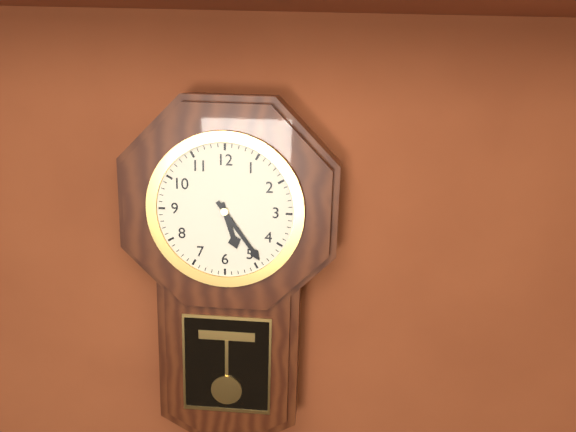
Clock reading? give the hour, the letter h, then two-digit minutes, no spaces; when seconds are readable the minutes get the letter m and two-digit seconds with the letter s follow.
5h24
